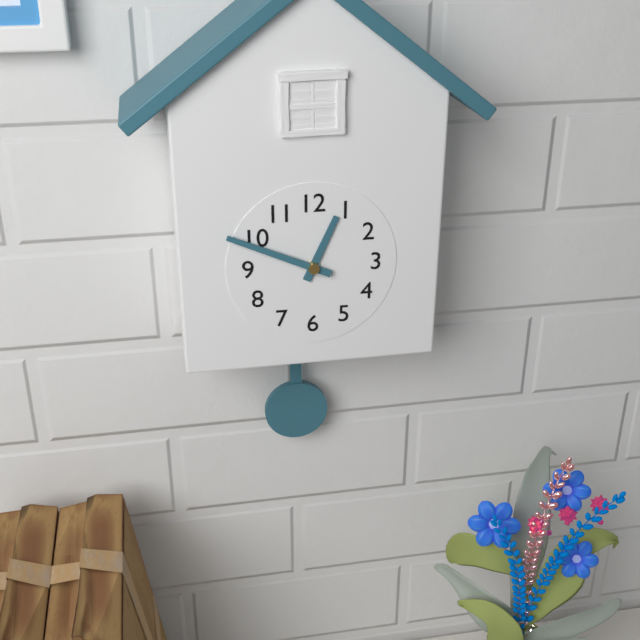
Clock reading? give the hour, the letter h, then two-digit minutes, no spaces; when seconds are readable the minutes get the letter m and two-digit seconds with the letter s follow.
12h49
